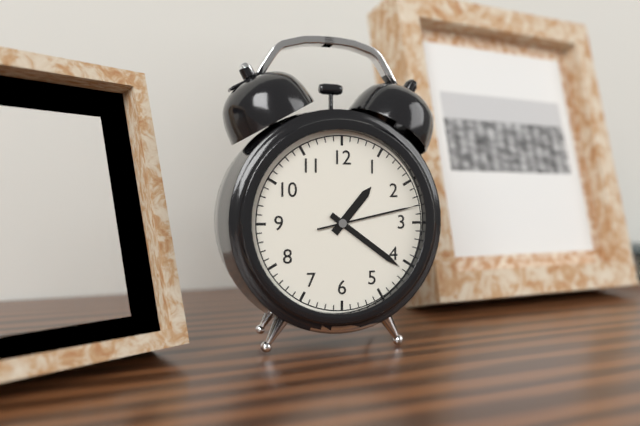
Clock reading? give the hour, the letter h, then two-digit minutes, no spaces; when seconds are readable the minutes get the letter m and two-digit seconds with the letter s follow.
1h21m13s
